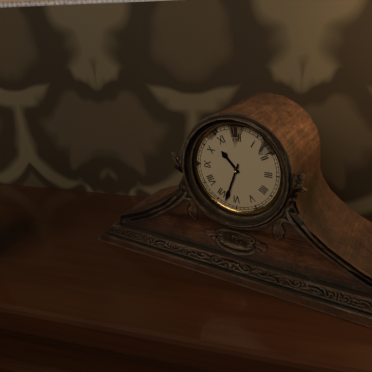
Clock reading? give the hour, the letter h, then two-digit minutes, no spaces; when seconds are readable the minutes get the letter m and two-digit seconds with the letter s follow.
10h33
